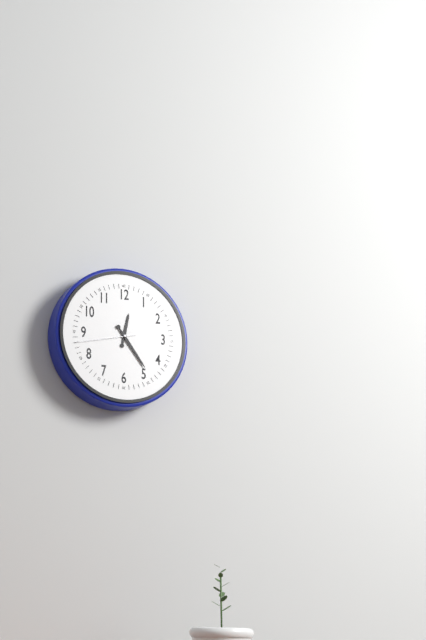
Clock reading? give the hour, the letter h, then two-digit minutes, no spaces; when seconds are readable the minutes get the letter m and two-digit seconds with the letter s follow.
12h24m43s
